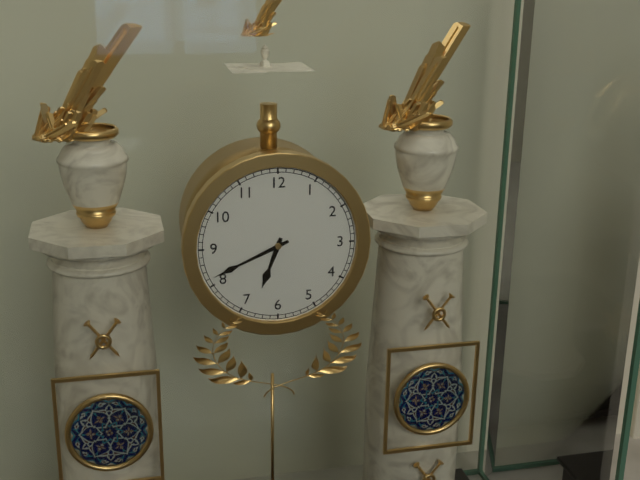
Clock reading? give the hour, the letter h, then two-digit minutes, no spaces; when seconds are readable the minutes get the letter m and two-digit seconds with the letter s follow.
6h41
